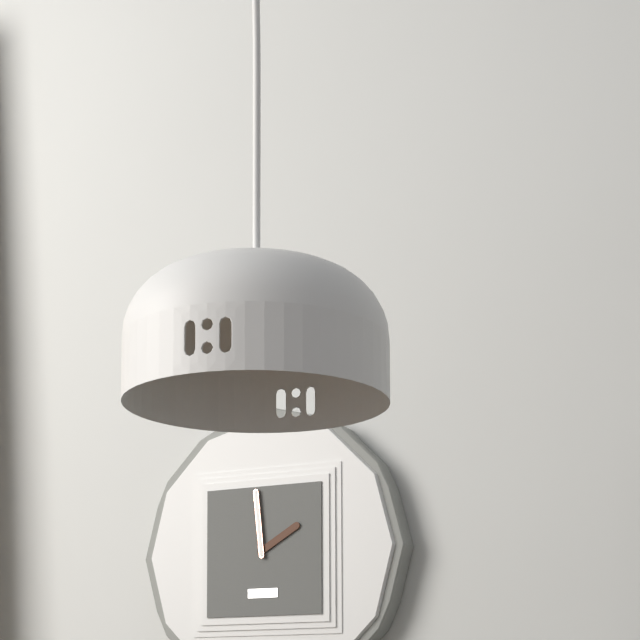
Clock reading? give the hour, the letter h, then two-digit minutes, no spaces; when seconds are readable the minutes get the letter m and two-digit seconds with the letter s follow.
1h59
